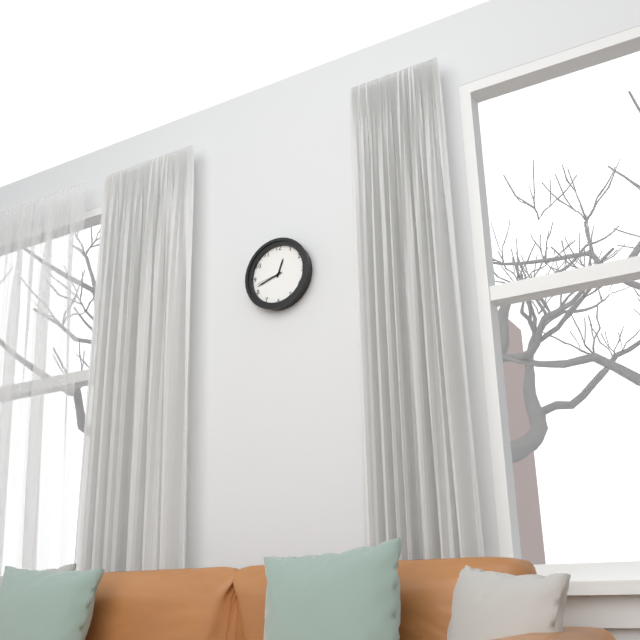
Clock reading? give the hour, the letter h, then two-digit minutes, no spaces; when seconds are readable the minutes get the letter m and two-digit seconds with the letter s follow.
12h42
